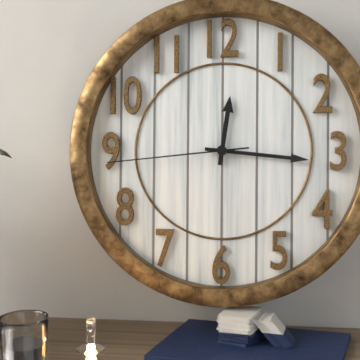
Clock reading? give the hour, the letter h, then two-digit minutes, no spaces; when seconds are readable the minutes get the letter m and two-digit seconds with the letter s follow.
12h16m44s
